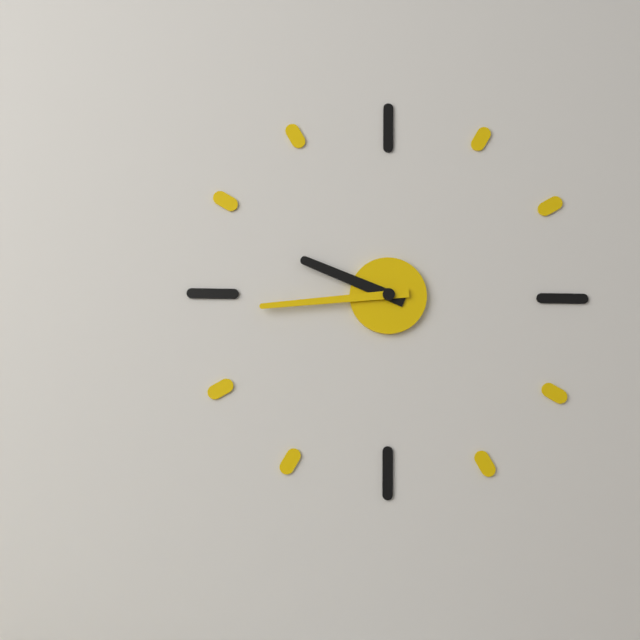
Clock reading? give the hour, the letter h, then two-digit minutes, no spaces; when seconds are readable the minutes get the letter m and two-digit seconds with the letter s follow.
9h44
